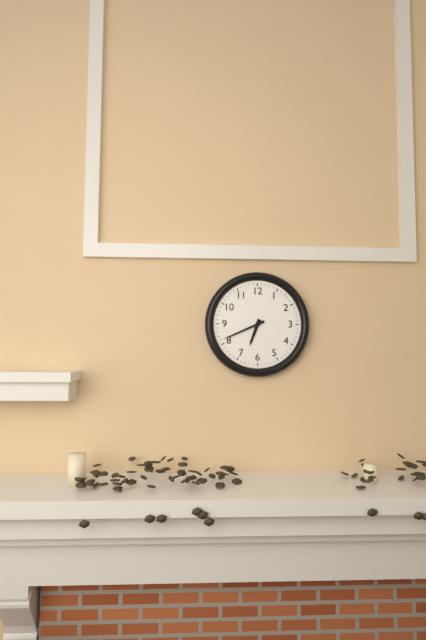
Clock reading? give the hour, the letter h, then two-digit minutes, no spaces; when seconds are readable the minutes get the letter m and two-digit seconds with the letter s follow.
6h41
